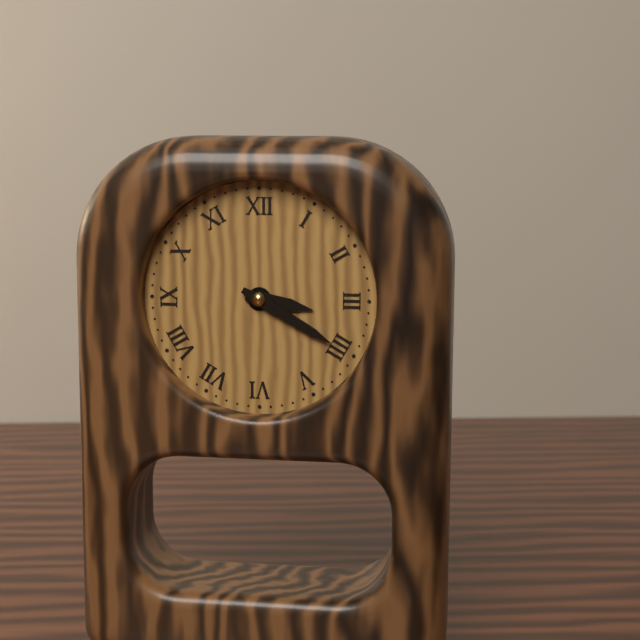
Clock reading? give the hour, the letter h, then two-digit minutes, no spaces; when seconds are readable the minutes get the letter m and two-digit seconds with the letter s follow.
3h20
